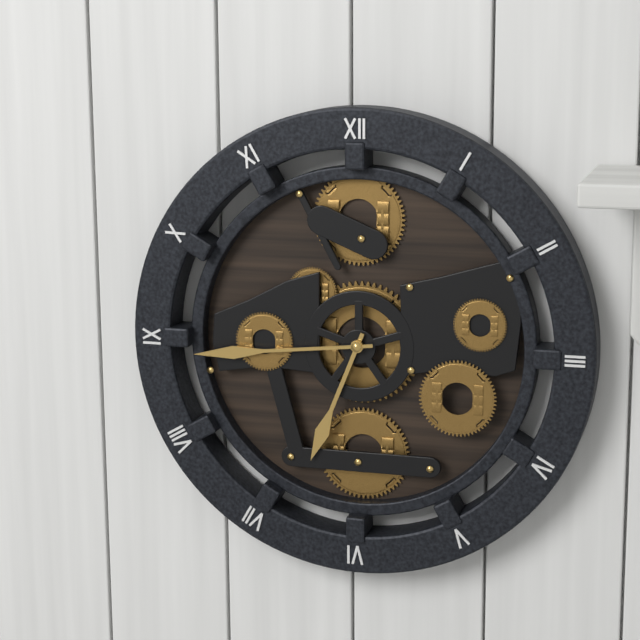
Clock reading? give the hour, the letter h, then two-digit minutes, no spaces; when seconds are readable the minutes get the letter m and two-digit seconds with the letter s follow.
6h44
